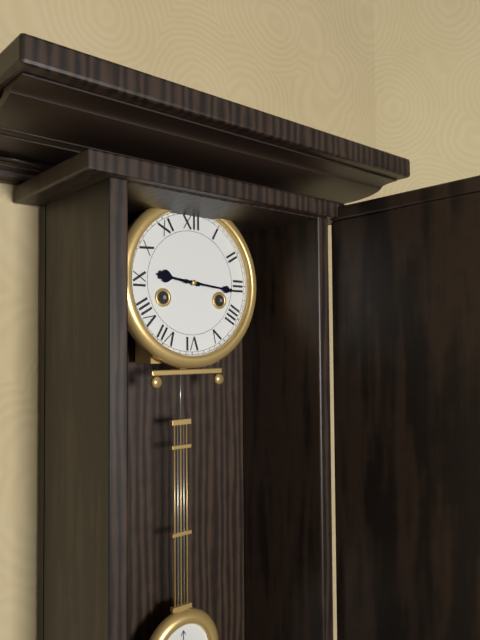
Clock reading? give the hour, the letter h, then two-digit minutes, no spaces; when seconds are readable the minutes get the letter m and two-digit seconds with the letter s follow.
9h16
